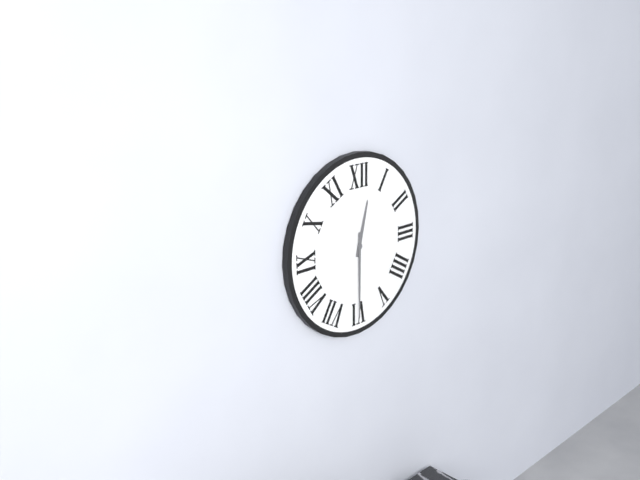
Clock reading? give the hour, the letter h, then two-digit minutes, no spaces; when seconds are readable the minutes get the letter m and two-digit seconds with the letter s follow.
12h30
